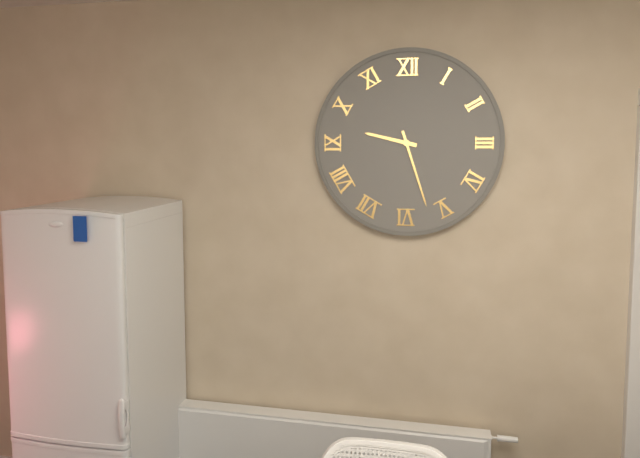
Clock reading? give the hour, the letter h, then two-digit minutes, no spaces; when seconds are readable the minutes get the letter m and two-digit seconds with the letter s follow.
9h27
